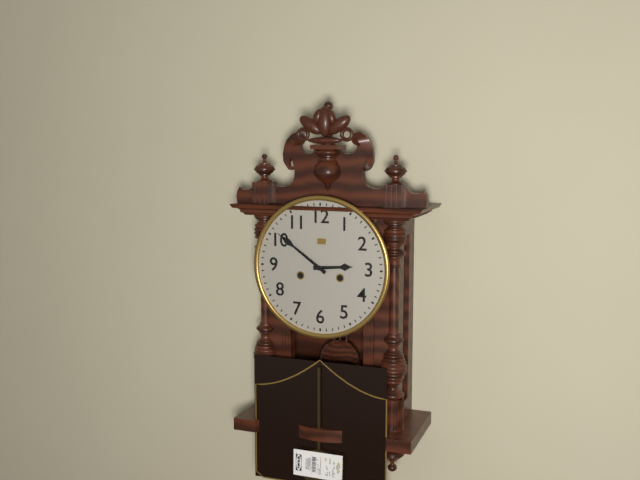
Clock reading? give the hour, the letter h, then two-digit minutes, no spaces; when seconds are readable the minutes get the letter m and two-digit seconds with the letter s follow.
2h51
